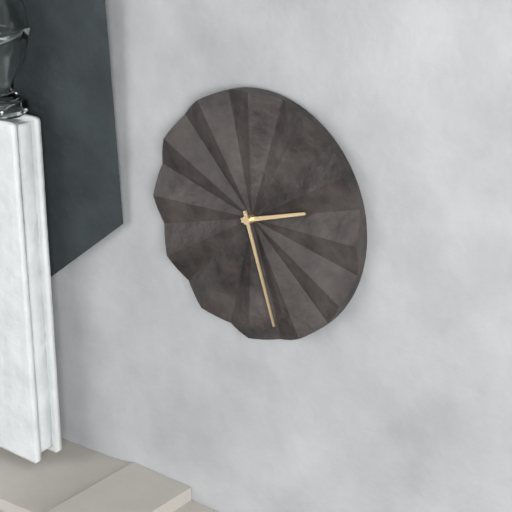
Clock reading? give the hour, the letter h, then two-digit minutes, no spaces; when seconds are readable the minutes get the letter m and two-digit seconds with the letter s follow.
2h27
